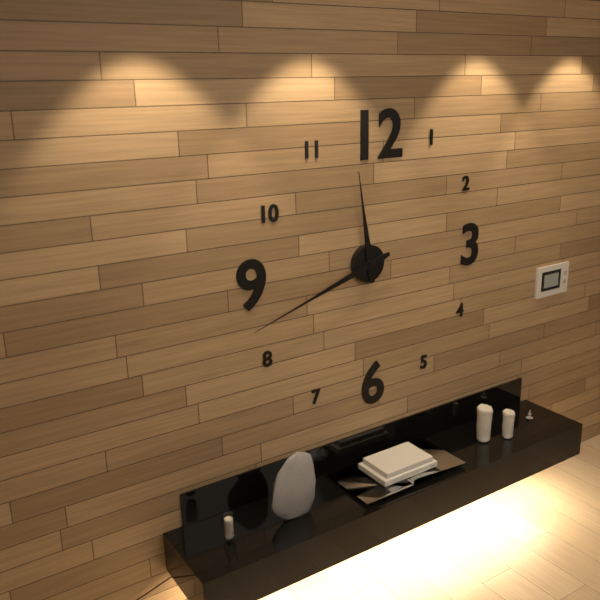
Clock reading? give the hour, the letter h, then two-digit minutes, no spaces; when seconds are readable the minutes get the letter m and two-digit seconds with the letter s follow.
11h42
